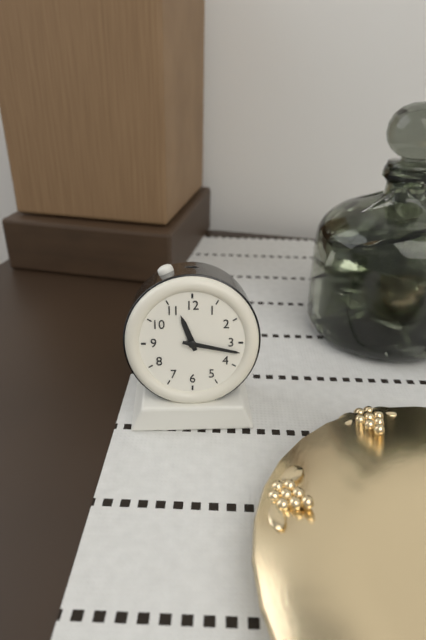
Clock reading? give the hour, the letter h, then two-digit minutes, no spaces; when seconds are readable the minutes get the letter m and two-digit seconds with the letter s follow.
11h17
